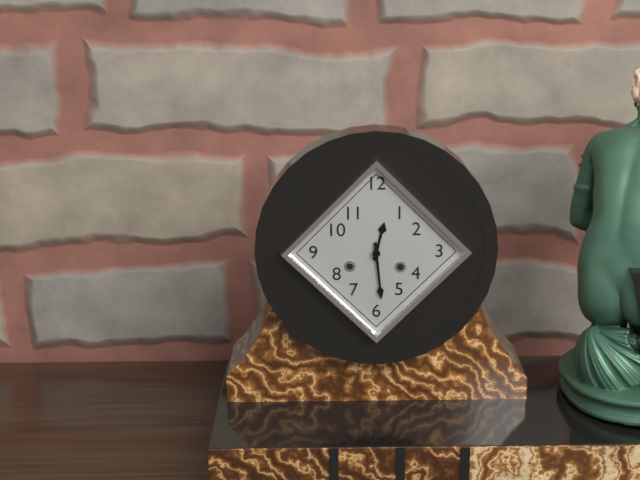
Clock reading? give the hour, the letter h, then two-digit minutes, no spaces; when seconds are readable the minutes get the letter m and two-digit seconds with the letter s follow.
12h29
